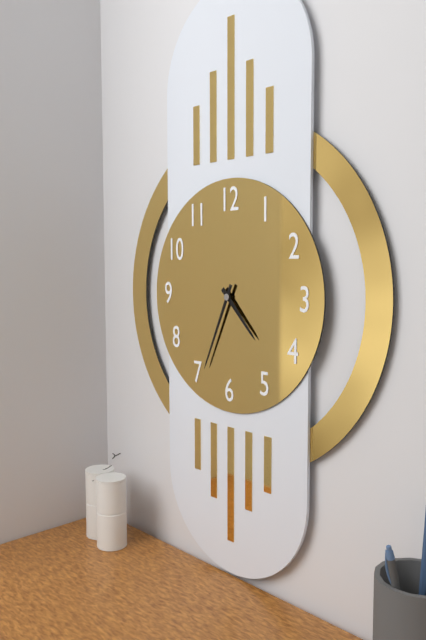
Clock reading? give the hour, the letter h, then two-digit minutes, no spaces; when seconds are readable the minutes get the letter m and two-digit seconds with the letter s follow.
4h34
